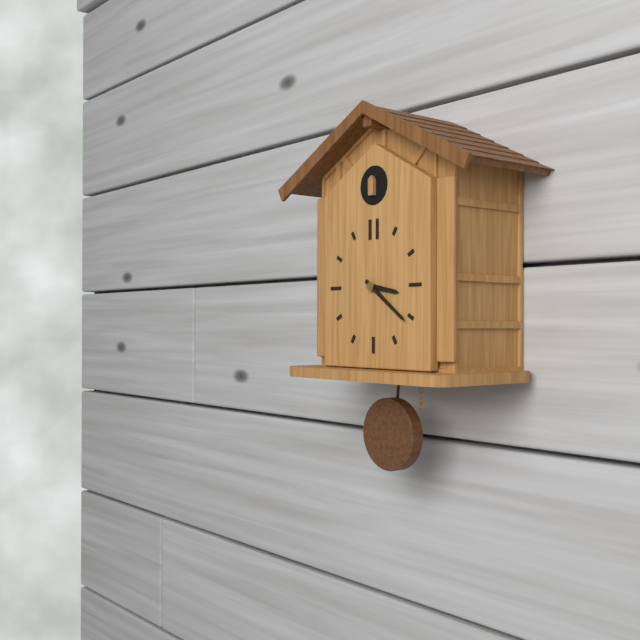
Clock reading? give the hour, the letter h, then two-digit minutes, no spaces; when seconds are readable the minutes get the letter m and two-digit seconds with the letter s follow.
3h21
